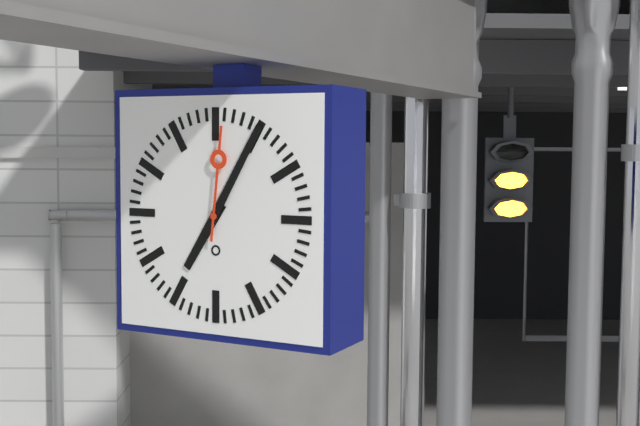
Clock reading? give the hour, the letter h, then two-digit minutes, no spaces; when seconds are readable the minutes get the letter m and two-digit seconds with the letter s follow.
7h05m01s
